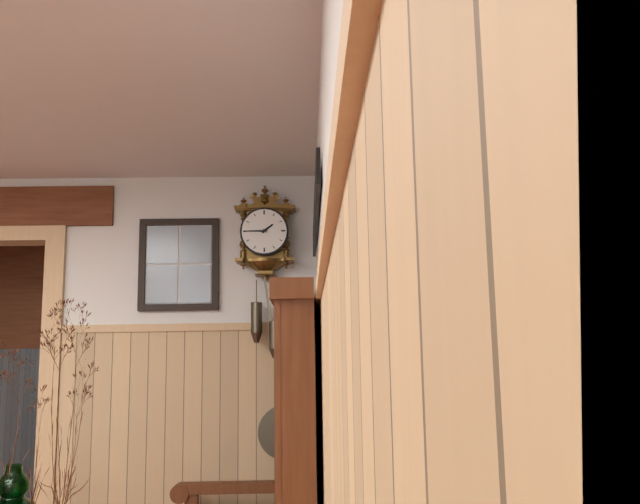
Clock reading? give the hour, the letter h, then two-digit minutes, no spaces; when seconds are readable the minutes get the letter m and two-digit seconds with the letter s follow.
1h45
